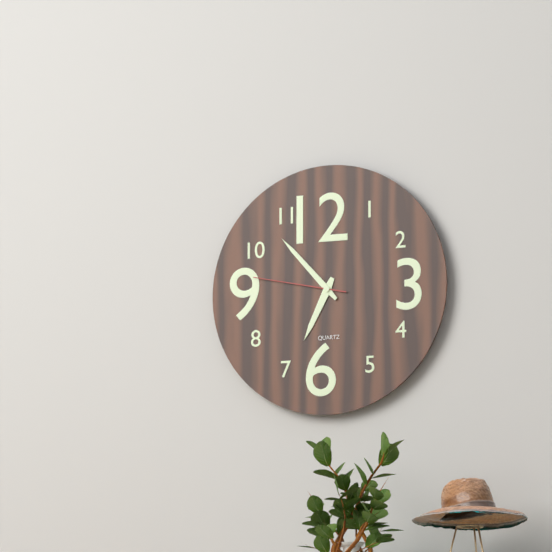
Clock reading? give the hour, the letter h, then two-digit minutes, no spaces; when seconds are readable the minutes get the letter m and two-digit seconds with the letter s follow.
6h53m47s
